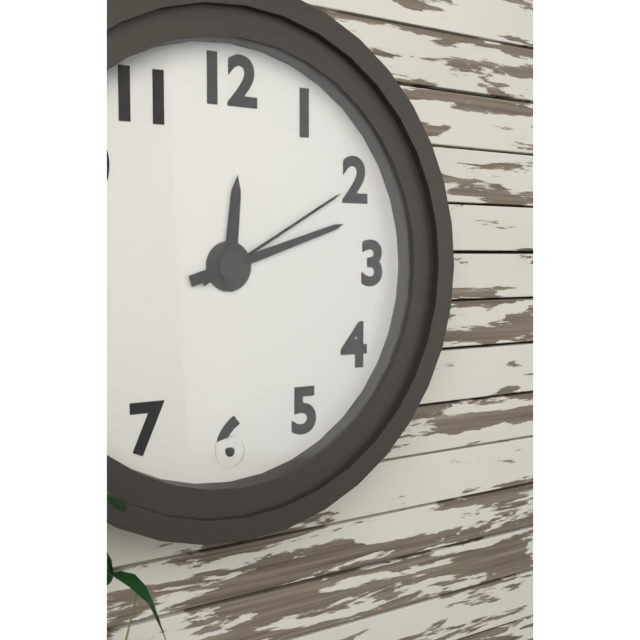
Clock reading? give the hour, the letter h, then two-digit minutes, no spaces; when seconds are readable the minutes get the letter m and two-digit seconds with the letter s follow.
12h12m10s
